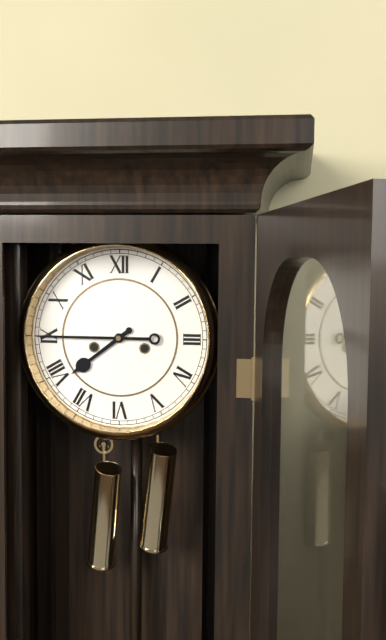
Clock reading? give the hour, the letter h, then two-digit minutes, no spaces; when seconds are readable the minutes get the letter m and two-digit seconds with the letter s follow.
7h45
